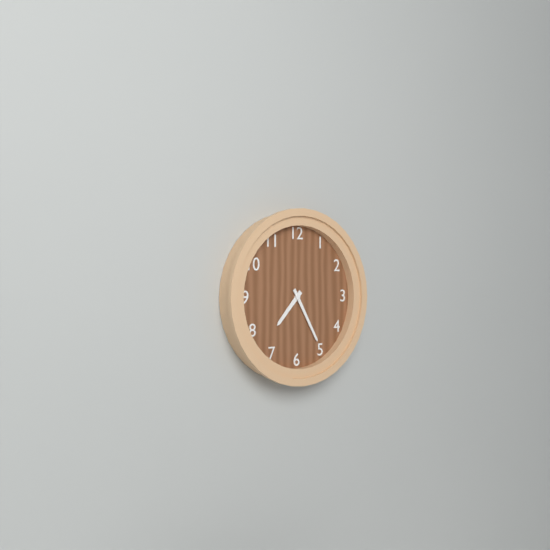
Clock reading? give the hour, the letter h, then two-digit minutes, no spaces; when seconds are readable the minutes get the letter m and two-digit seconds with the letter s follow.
7h25
